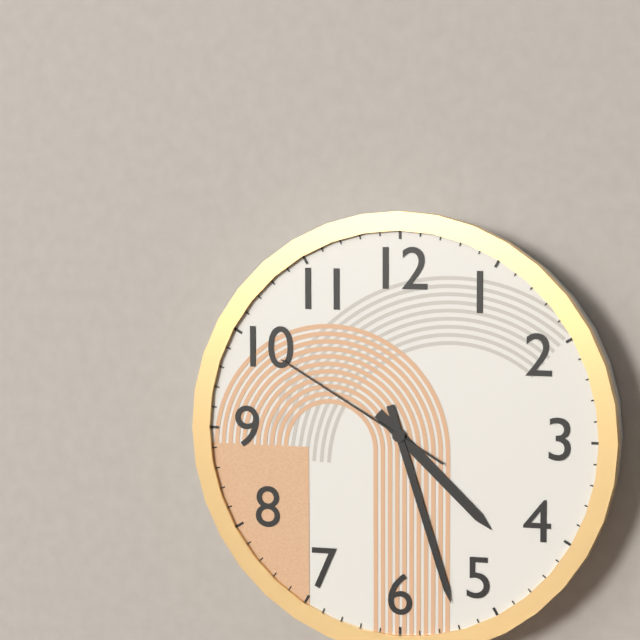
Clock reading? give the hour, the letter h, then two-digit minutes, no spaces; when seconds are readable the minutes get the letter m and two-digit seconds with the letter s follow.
4h27m50s
